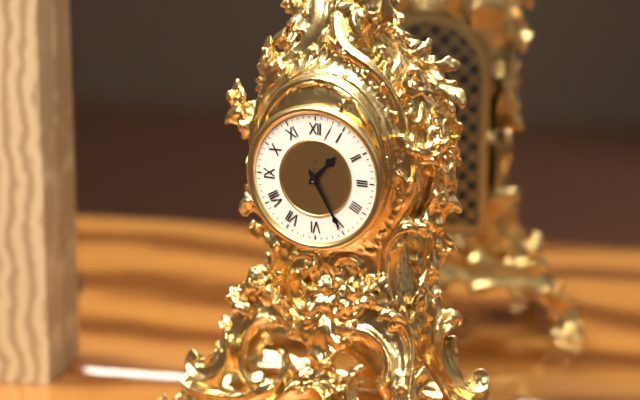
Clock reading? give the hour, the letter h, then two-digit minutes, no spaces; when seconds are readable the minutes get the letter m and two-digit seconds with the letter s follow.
1h25
